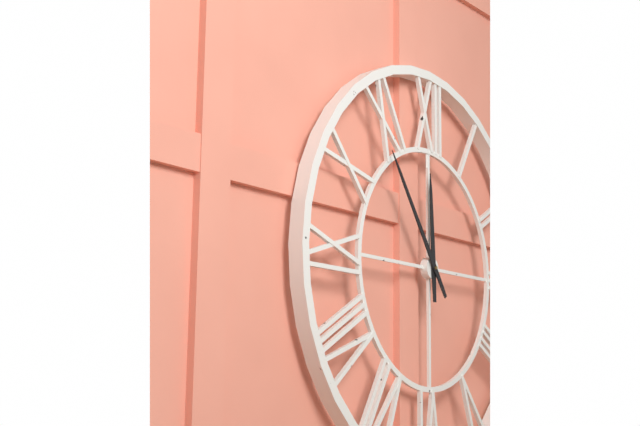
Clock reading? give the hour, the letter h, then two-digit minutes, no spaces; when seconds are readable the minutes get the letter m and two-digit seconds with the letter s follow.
11h54
